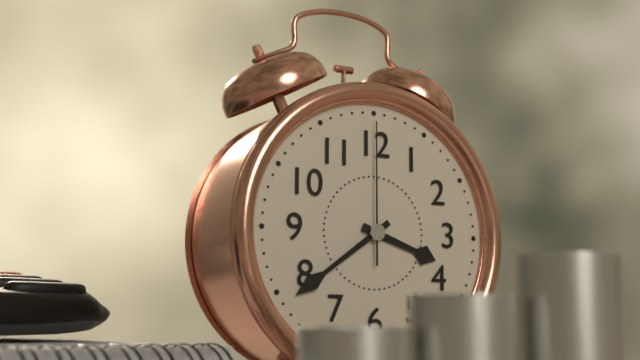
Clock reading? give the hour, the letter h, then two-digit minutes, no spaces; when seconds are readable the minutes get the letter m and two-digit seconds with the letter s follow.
3h39m00s
